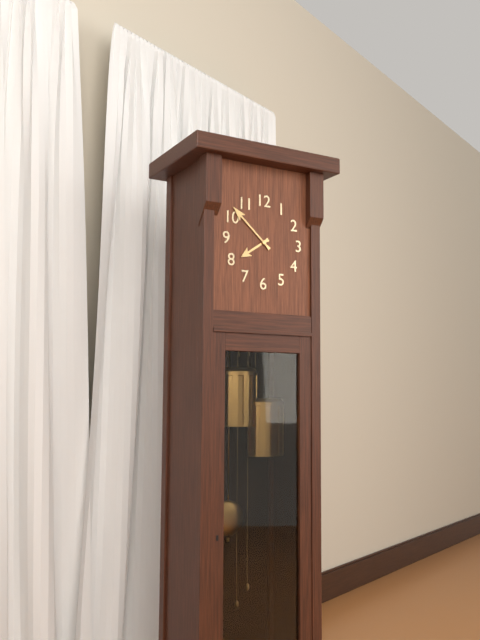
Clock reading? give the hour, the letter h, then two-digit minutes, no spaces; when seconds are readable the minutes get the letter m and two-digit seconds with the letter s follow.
7h52
